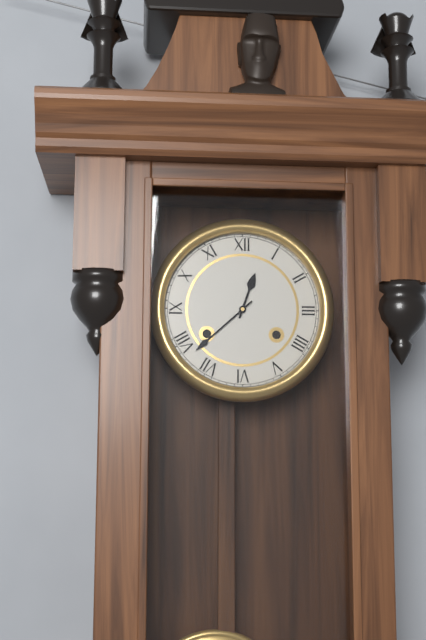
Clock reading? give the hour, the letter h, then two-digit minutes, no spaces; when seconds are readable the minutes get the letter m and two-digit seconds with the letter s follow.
12h38
